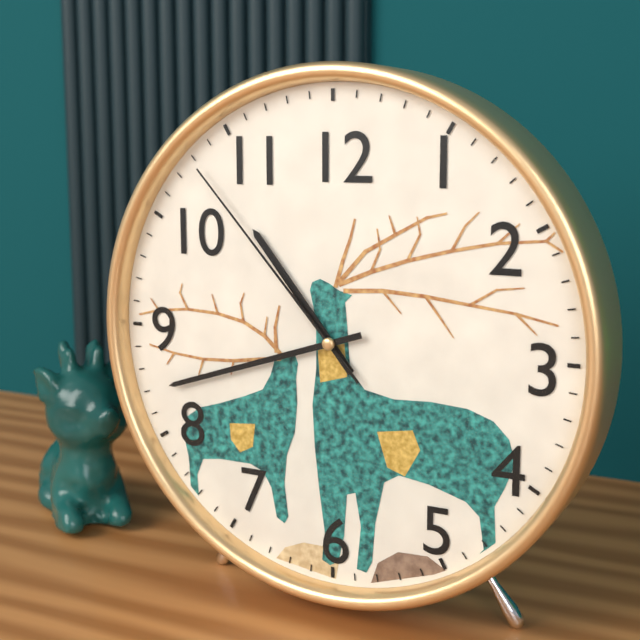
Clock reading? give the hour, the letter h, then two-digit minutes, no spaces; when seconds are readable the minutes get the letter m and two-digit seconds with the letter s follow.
10h42m53s
